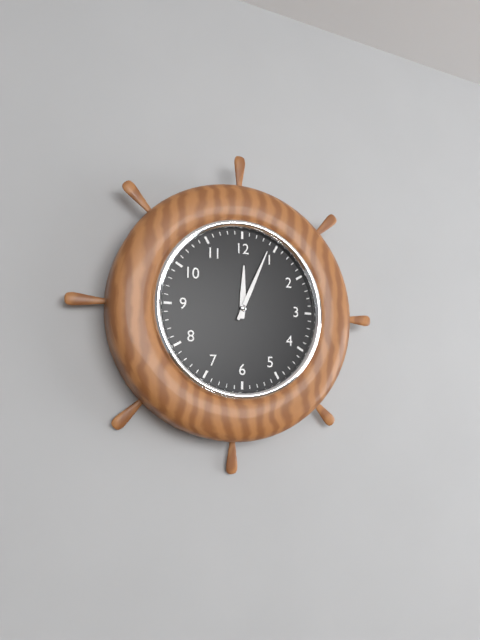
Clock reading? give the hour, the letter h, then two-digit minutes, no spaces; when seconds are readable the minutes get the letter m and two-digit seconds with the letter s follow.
12h04
